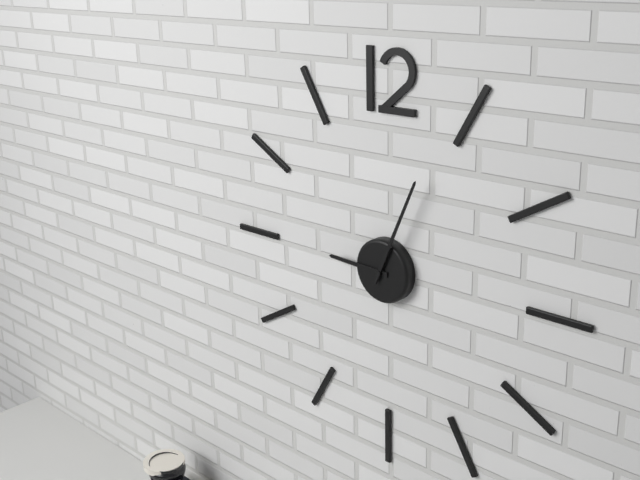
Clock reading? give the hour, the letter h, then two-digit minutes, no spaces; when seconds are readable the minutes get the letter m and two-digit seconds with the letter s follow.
9h04
